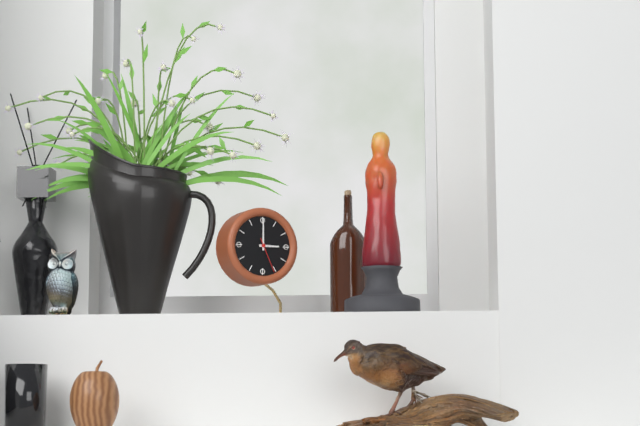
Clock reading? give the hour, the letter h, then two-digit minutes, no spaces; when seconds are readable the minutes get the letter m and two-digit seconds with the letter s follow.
3h00
